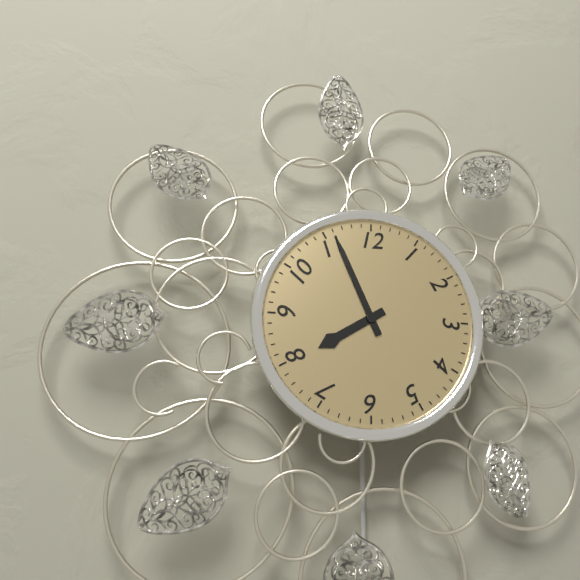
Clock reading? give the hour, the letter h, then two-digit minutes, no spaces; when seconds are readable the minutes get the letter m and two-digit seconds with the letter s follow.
7h56
